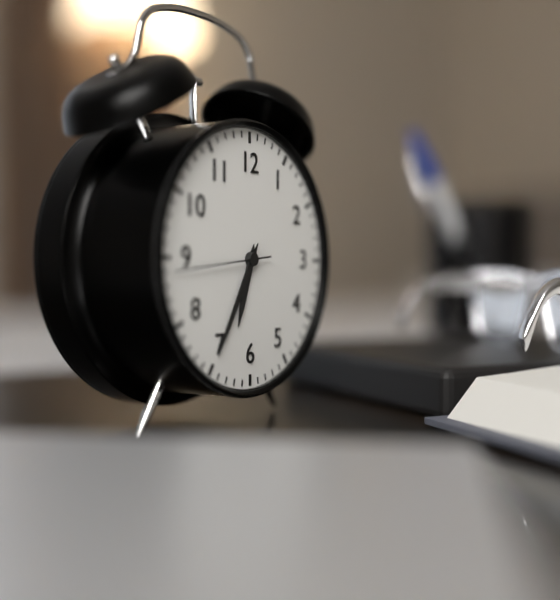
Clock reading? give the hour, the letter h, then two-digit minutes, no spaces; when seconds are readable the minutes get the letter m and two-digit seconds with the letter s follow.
6h35m44s
